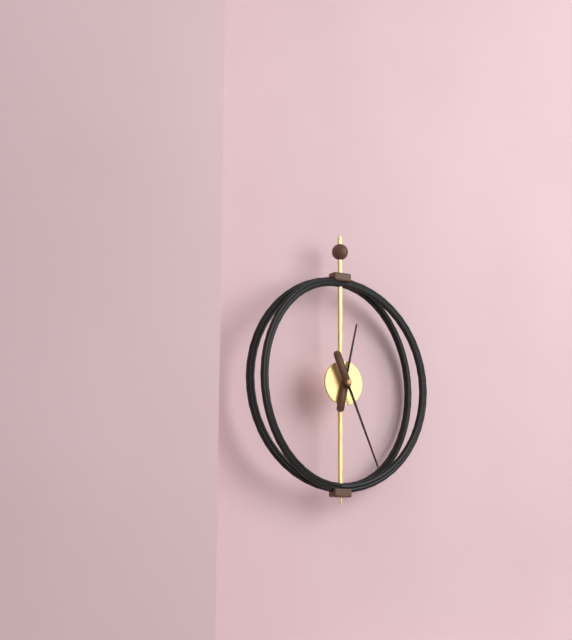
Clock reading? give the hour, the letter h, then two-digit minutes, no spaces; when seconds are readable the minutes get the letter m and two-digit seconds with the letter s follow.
12h26
